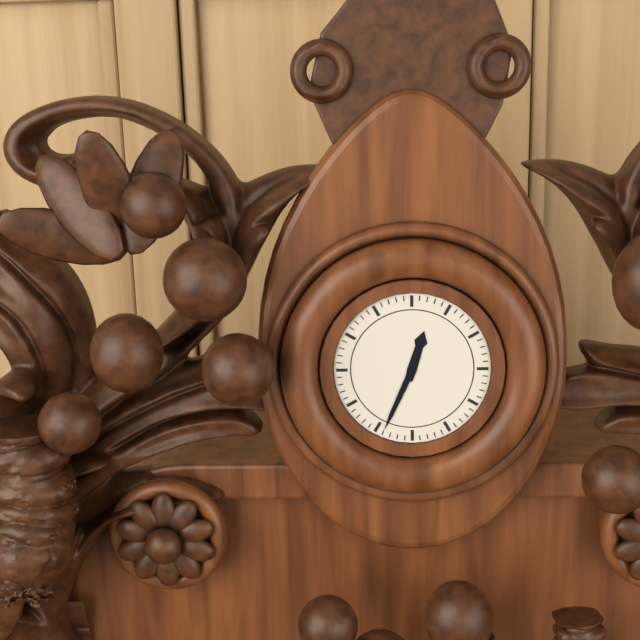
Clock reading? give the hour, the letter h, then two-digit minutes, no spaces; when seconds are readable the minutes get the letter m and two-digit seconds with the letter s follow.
12h34
